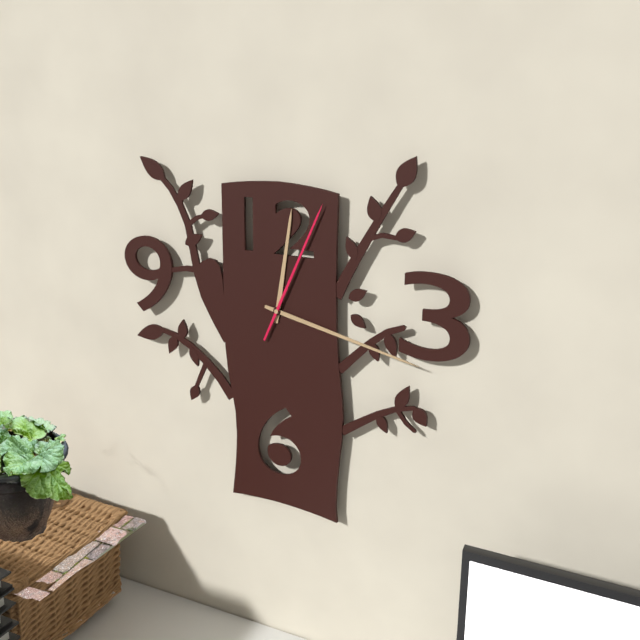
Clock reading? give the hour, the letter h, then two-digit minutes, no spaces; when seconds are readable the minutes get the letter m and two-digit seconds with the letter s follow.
12h17m04s
